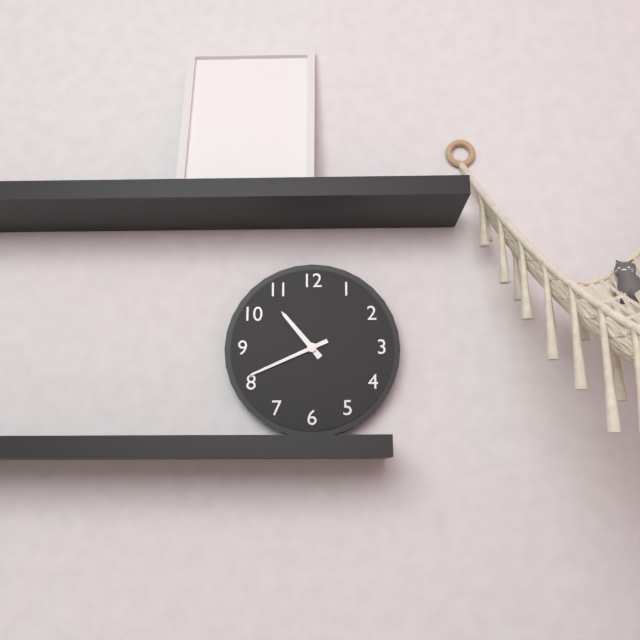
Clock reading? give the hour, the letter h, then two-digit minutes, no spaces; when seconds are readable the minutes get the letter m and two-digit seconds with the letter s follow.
10h41
